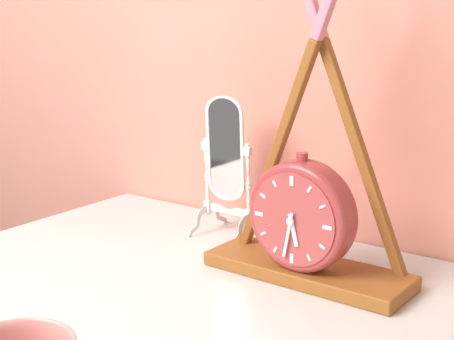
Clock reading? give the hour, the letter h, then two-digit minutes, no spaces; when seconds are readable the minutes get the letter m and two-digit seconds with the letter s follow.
5h32
